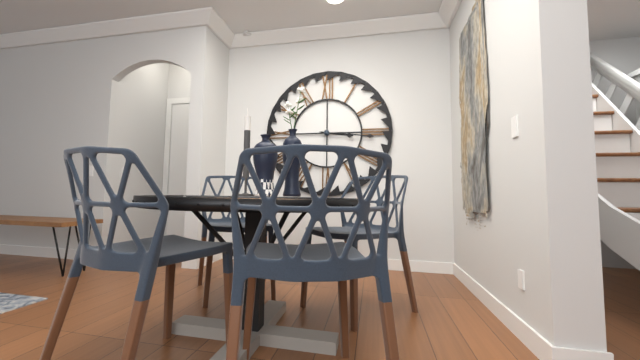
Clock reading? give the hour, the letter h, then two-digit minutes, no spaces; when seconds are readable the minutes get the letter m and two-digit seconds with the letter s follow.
3h16
